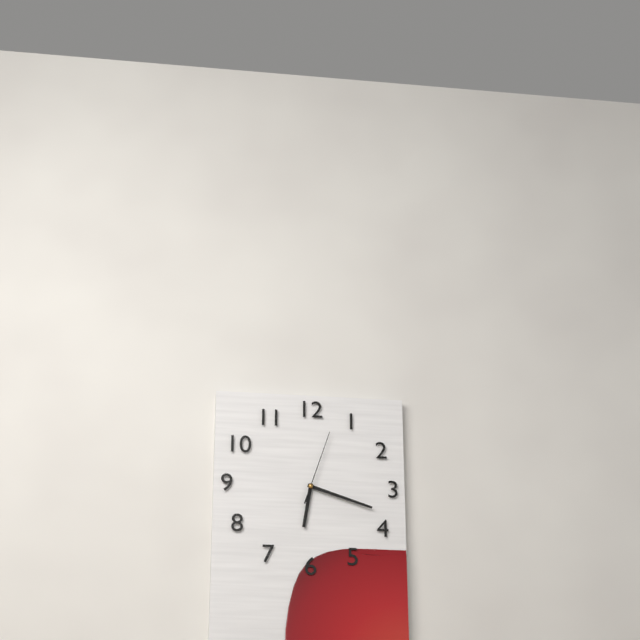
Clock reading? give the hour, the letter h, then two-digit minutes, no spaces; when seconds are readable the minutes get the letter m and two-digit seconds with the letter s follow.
6h18m03s
